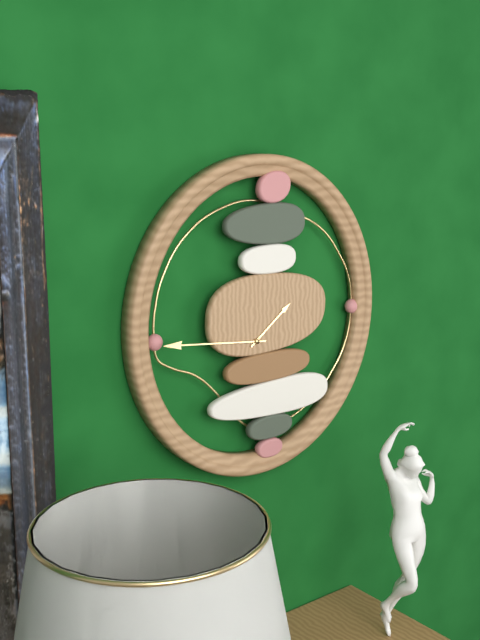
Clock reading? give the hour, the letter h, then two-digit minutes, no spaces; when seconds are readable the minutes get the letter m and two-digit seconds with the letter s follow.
1h46
